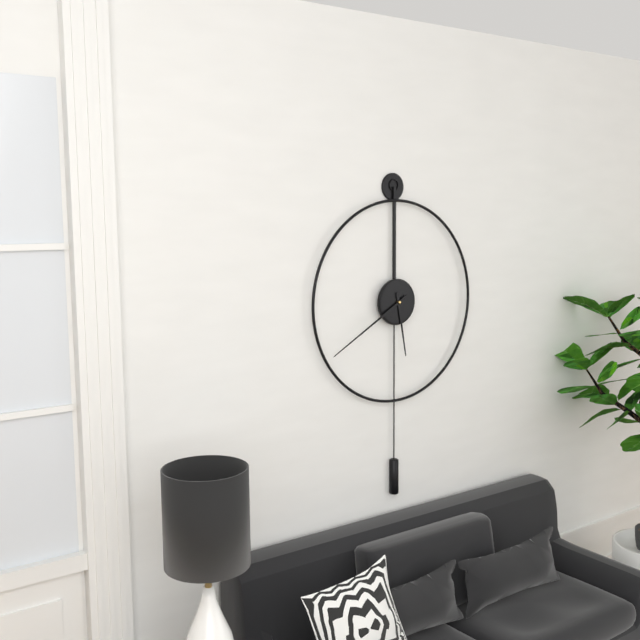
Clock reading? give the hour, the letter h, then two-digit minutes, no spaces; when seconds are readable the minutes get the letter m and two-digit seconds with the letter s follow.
5h40
